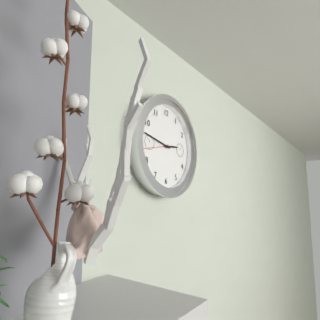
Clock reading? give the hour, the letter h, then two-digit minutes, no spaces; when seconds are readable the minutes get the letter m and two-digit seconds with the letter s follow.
2h47
